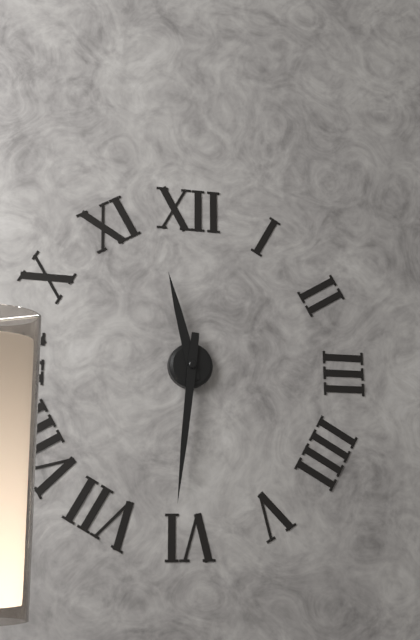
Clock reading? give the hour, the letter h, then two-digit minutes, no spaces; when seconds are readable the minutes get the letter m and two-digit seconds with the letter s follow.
11h31
